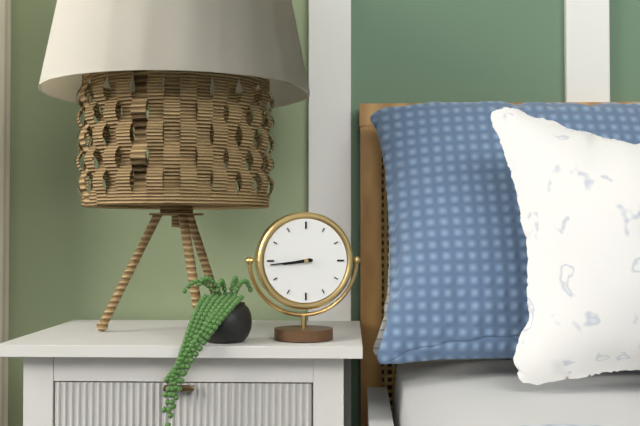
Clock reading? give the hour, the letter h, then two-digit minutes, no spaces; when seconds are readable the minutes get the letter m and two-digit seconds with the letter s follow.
8h44
